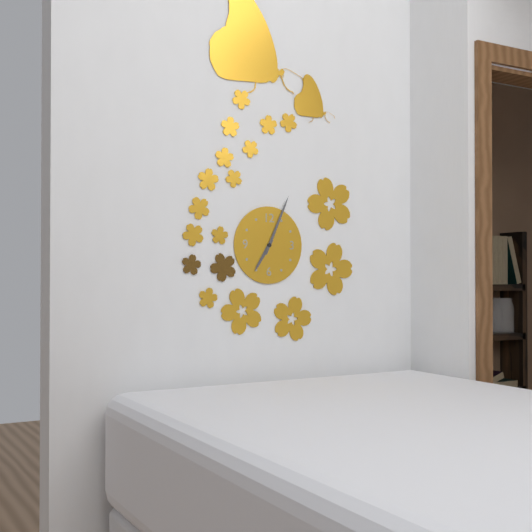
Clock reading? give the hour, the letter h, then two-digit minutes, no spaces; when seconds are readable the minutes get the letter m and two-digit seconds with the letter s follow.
7h04
